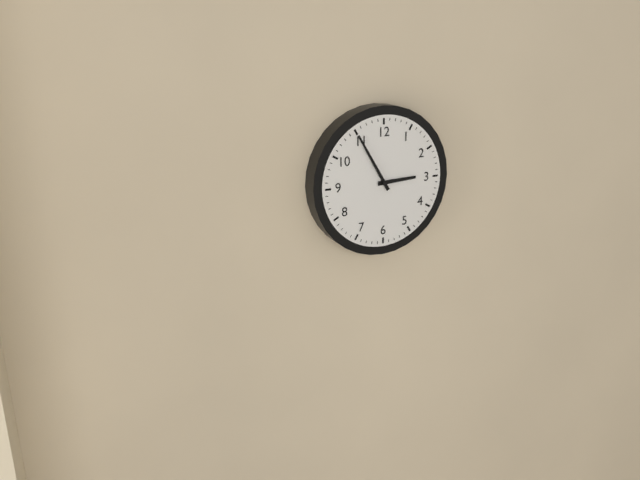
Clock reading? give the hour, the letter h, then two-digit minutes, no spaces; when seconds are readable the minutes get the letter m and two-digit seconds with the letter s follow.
2h55
